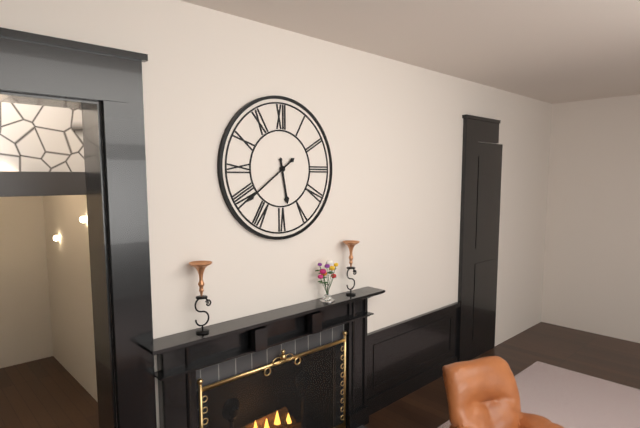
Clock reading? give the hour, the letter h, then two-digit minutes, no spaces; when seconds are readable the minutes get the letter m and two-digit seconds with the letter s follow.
5h39
